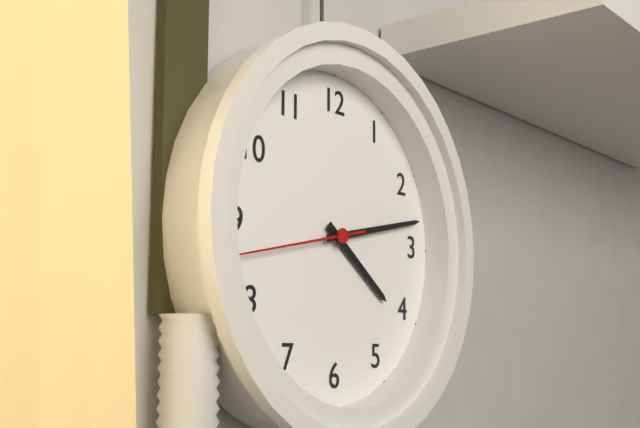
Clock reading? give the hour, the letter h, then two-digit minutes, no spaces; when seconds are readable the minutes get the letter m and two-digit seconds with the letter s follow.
4h13m43s
